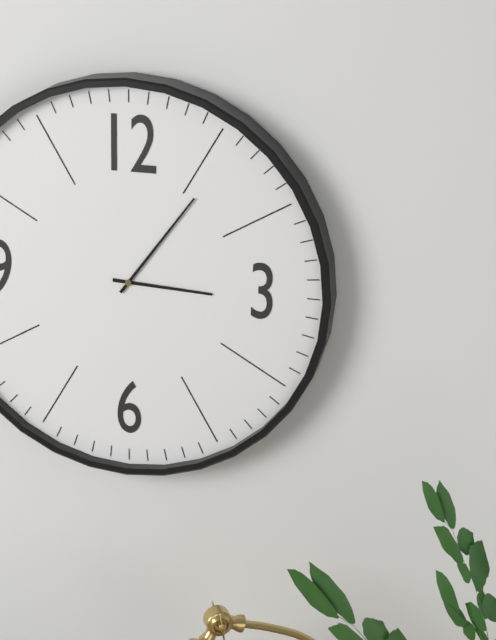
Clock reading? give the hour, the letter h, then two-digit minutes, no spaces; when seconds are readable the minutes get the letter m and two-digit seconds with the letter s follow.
3h06
